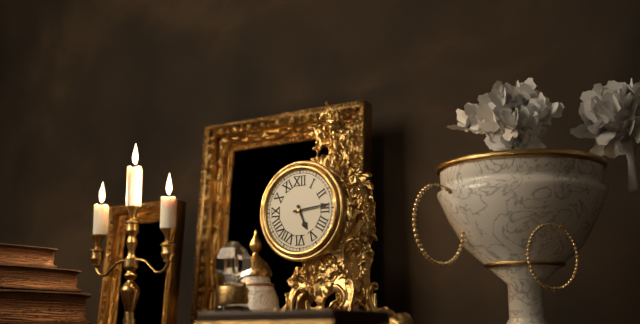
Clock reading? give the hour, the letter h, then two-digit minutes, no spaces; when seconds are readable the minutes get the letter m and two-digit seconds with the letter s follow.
5h14
